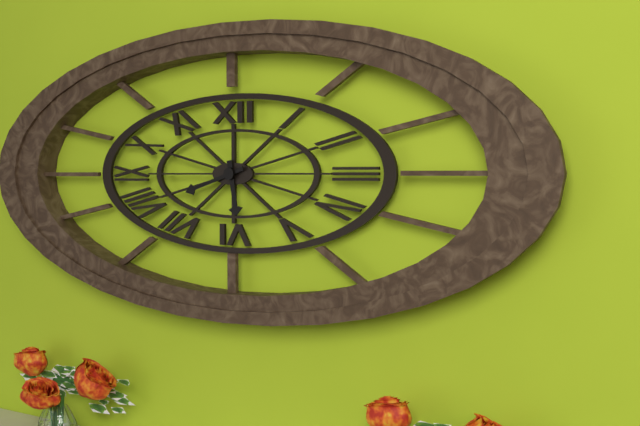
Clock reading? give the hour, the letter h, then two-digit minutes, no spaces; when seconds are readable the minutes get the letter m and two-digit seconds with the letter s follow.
5h42
